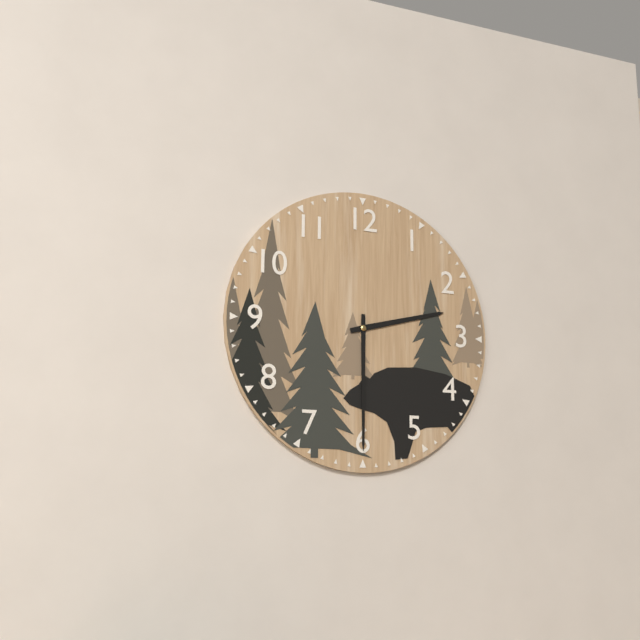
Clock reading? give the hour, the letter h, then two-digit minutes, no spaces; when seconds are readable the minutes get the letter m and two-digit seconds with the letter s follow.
2h30
